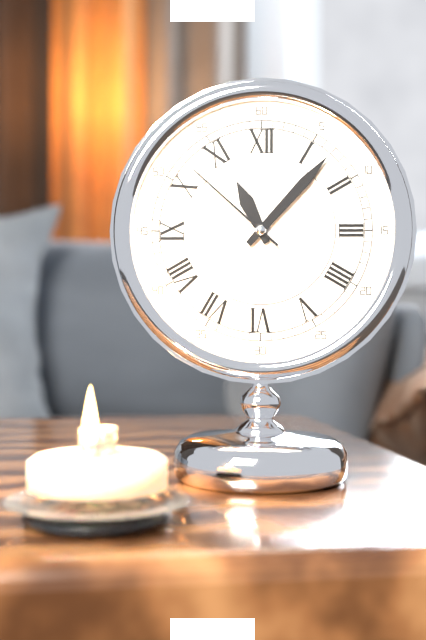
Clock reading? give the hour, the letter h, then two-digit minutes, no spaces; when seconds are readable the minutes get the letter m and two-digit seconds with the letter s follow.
11h07m52s
